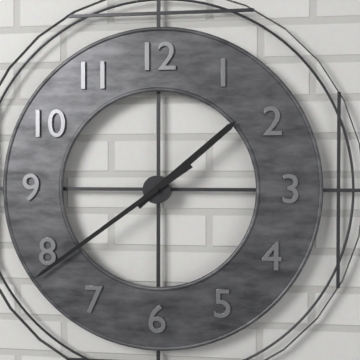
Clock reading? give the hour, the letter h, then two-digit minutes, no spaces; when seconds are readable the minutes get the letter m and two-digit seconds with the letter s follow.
1h39
